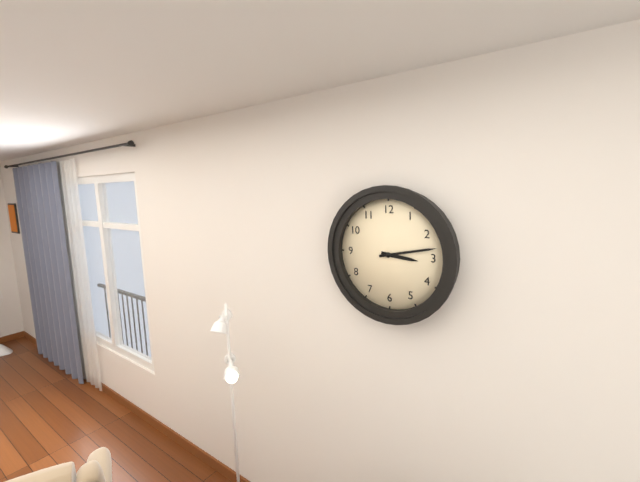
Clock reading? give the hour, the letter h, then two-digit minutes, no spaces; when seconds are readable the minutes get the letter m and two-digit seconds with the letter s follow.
3h13
